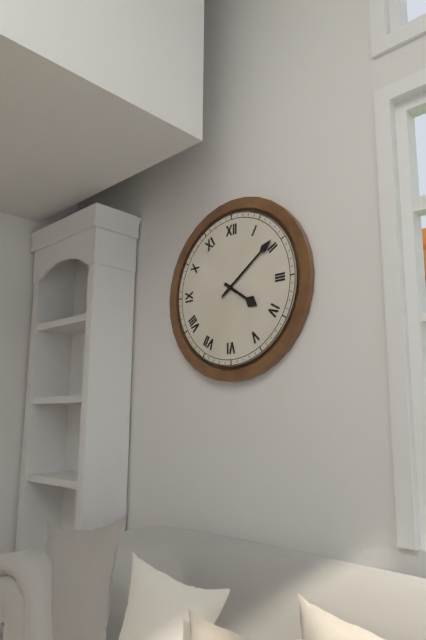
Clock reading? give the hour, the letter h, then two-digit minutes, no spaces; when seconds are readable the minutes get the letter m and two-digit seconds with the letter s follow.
4h09
